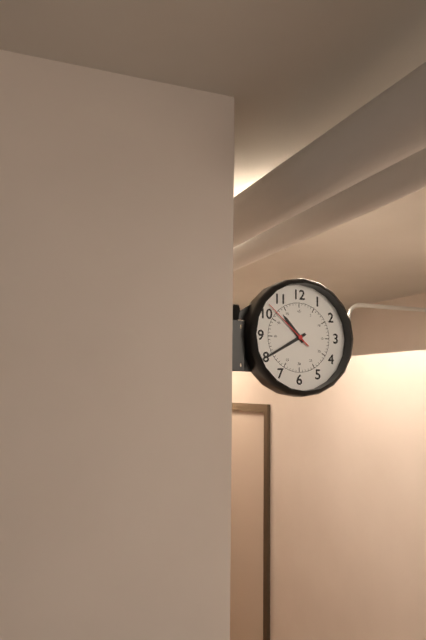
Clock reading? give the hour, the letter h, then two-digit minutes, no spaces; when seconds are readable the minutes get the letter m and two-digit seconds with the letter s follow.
10h40m52s
